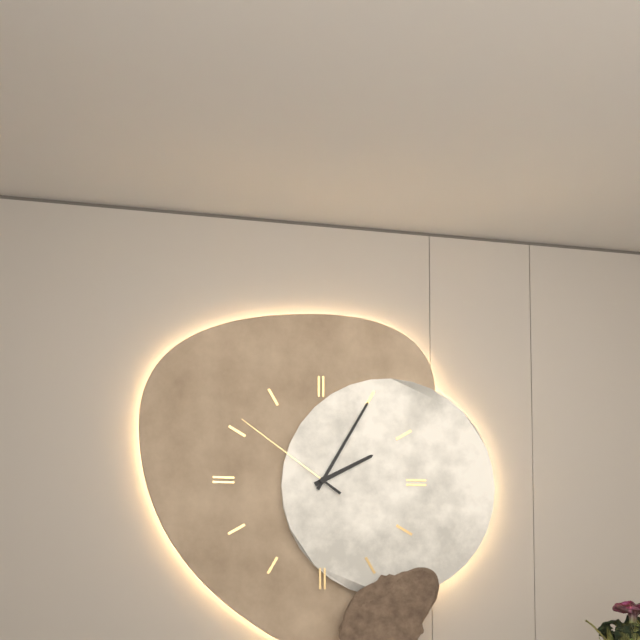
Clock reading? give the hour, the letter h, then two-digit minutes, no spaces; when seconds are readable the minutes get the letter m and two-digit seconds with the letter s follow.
2h05m51s
